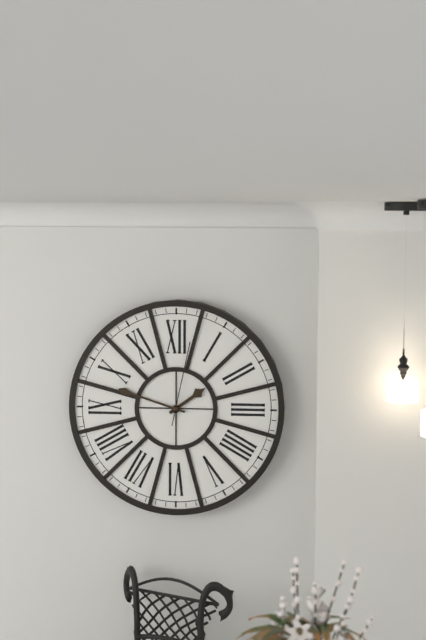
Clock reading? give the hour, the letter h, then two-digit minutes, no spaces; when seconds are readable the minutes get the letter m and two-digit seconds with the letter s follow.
1h48m02s
